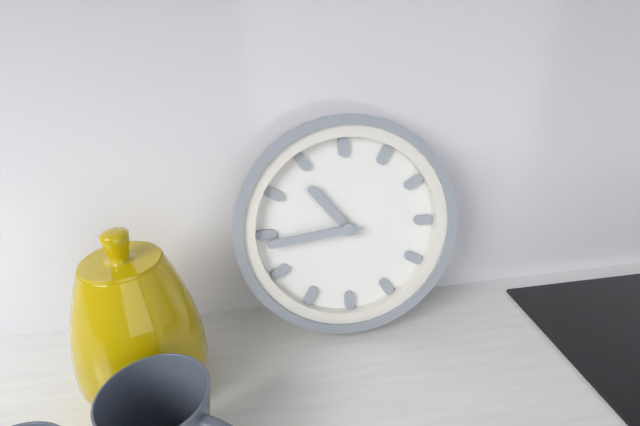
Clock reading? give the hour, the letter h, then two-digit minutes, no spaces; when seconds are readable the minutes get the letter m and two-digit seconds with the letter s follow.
10h44
